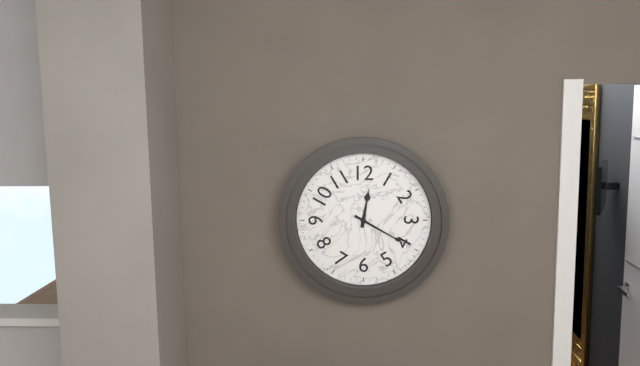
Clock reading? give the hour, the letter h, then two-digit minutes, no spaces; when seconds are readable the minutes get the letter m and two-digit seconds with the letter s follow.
12h20
